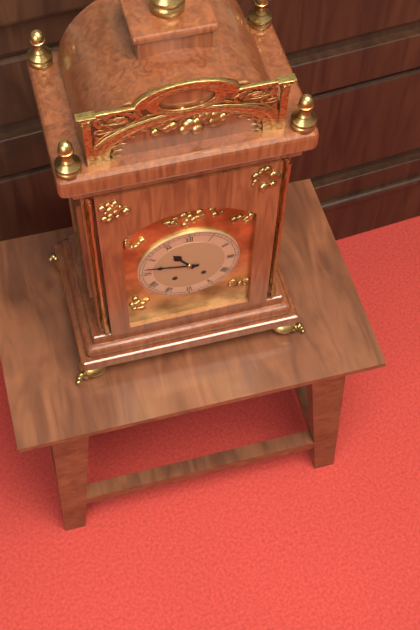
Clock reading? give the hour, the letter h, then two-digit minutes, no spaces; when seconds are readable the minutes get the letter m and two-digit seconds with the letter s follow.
10h47
